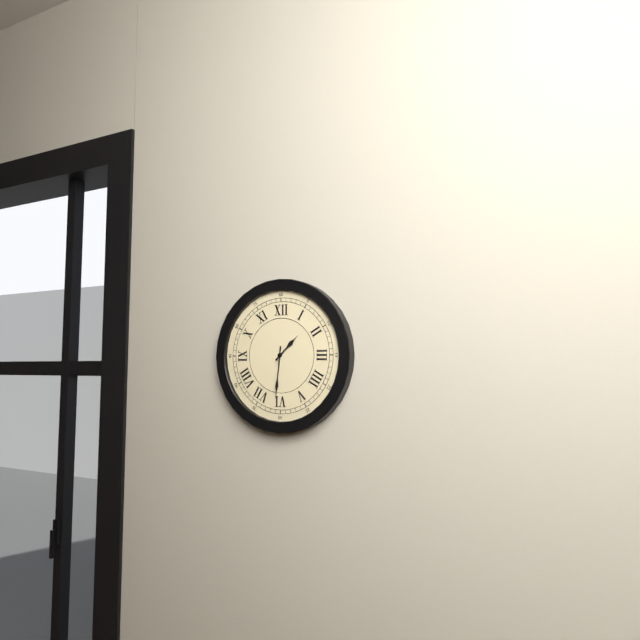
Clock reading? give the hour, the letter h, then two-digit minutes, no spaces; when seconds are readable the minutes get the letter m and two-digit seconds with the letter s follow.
1h31
